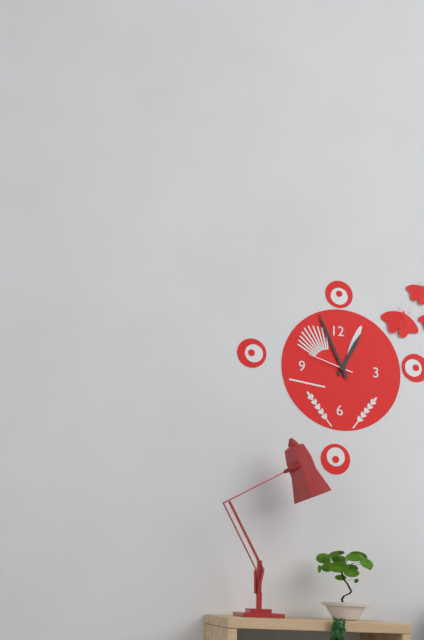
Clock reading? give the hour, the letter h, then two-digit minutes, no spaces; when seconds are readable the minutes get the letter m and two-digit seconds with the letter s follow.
12h56
